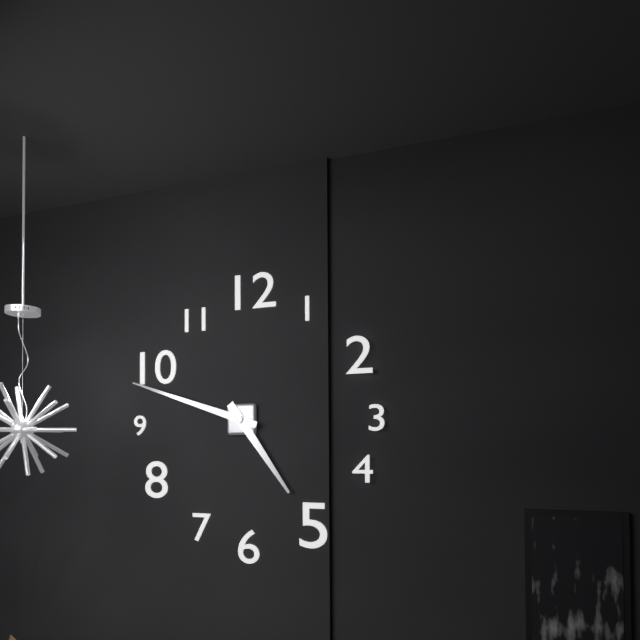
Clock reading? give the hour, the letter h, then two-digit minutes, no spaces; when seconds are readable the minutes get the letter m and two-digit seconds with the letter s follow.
4h48
